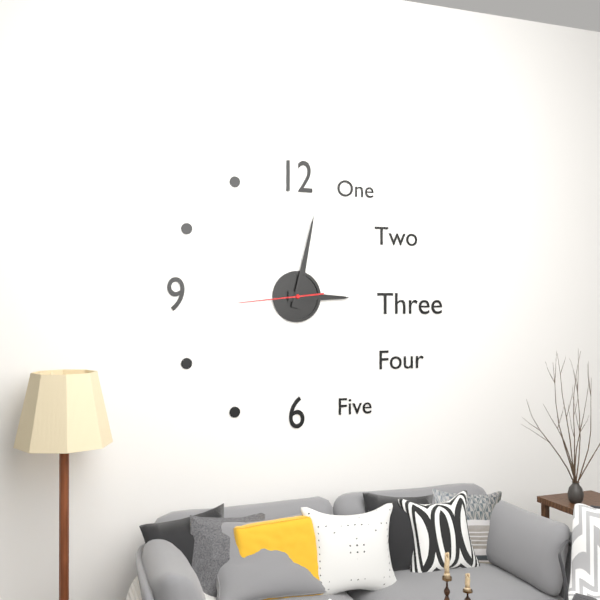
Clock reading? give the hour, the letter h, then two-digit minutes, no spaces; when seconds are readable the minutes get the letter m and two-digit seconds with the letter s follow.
3h02m44s
